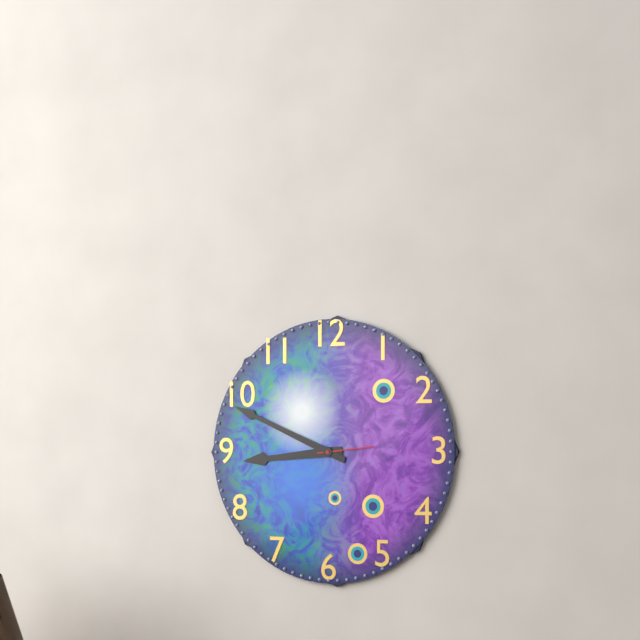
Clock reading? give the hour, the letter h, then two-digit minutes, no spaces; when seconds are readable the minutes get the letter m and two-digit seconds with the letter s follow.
8h49m14s
